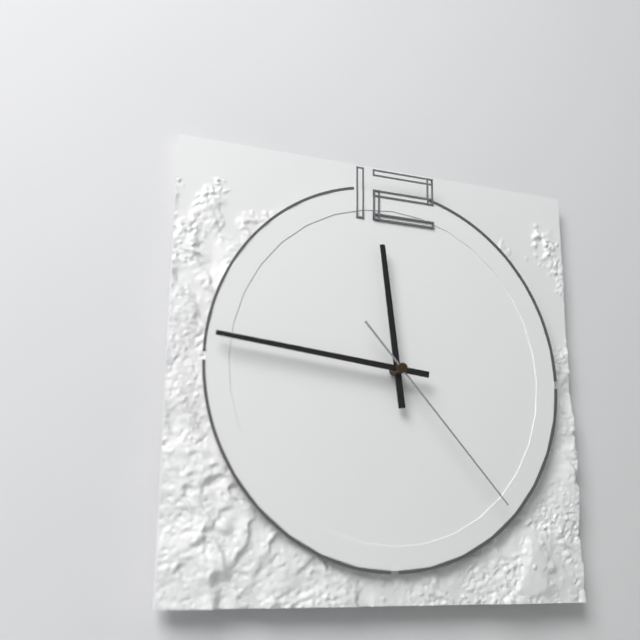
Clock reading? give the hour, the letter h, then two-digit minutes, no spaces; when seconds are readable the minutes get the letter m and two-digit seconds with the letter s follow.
11h46m23s
